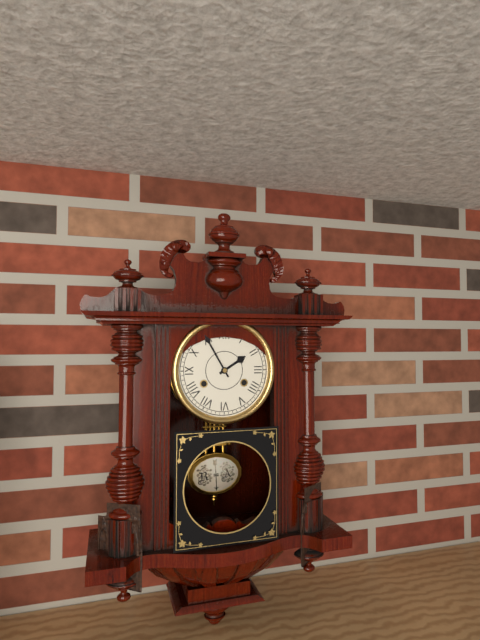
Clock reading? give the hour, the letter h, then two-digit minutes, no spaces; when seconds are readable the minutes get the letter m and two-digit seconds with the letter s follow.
1h55
